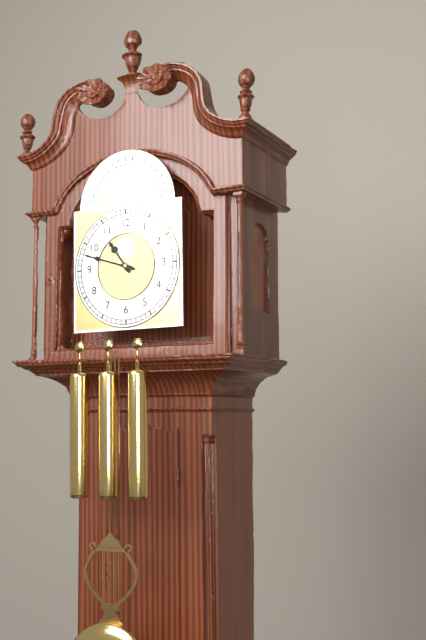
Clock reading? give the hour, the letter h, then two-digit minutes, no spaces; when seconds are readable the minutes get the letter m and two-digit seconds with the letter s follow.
10h48
